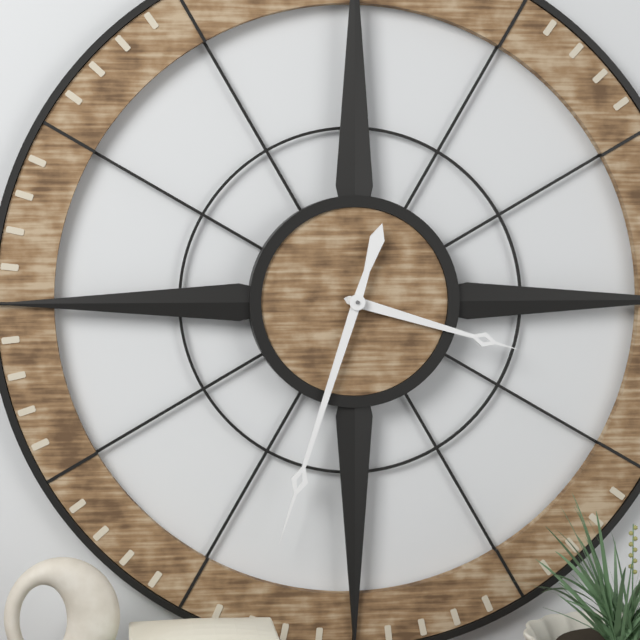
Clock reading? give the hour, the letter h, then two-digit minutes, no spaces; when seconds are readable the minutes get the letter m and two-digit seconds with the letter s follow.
3h33
